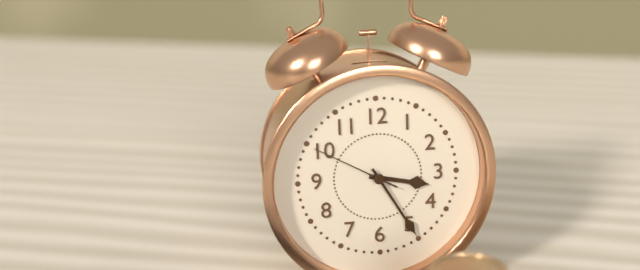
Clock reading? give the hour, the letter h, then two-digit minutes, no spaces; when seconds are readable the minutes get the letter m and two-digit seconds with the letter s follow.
3h25m50s
